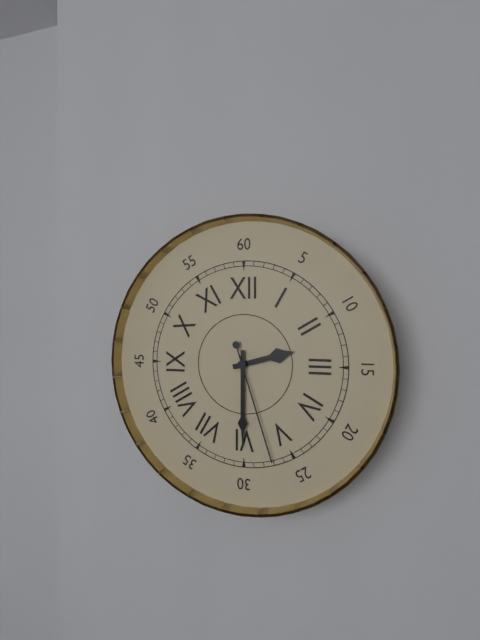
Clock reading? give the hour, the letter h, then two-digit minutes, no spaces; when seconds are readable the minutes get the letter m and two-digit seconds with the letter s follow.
2h30m27s
